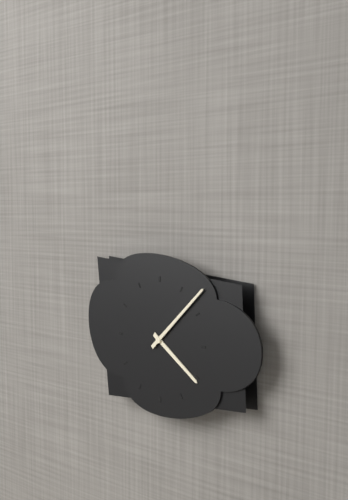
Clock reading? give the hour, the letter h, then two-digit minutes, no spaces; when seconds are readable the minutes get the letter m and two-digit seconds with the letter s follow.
4h08
